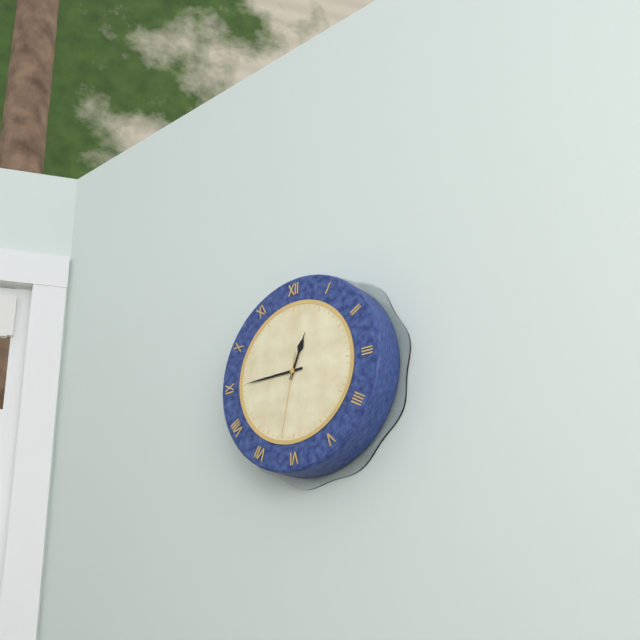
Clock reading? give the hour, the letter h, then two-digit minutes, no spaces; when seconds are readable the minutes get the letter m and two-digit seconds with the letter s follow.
12h45m32s
